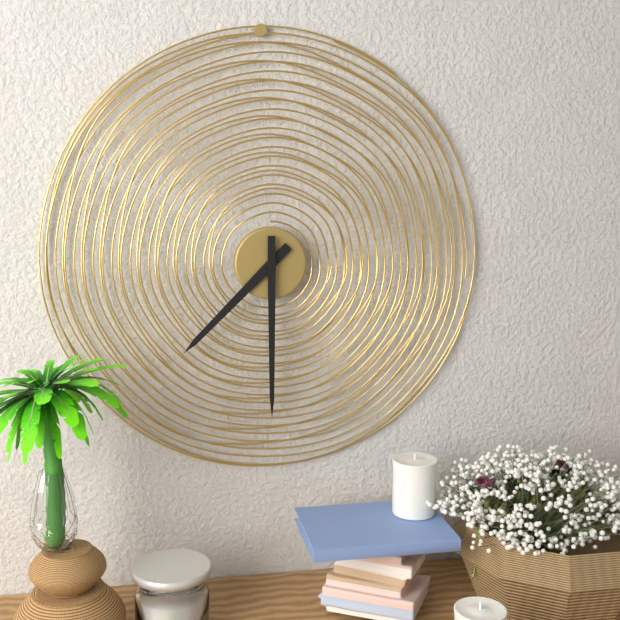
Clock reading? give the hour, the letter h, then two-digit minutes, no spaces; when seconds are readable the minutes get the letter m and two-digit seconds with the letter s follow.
7h30
